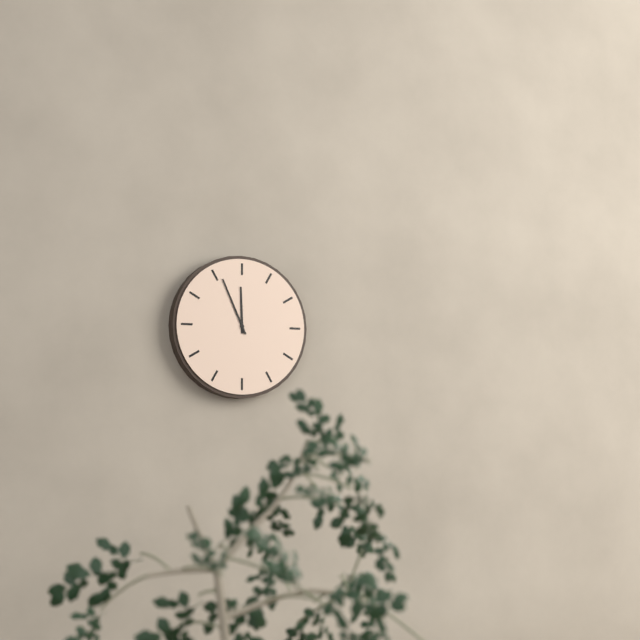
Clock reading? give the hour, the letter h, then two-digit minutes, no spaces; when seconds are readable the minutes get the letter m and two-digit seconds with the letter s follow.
11h56
